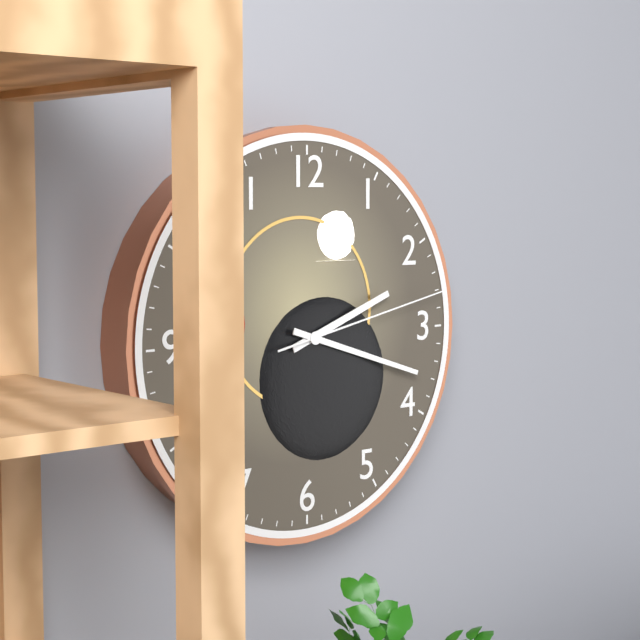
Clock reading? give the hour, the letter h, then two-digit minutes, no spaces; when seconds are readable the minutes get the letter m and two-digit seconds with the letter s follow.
2h18m13s
